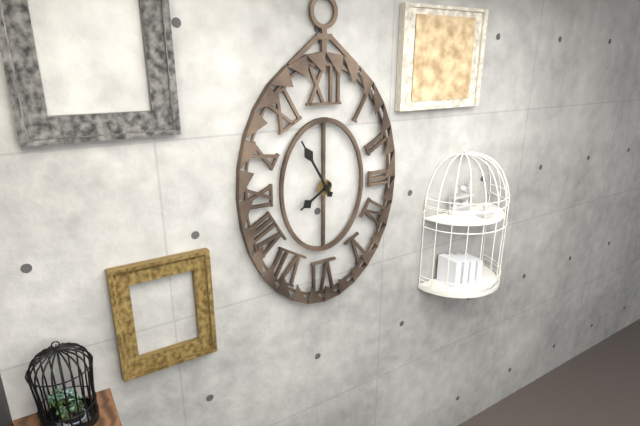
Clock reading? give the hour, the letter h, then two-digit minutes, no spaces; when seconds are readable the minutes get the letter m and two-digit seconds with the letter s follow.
7h55
